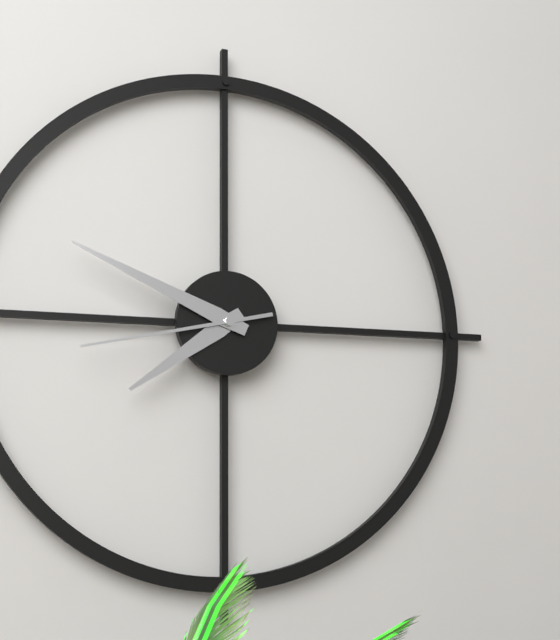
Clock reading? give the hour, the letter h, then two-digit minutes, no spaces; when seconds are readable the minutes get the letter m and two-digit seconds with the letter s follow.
7h49m43s
